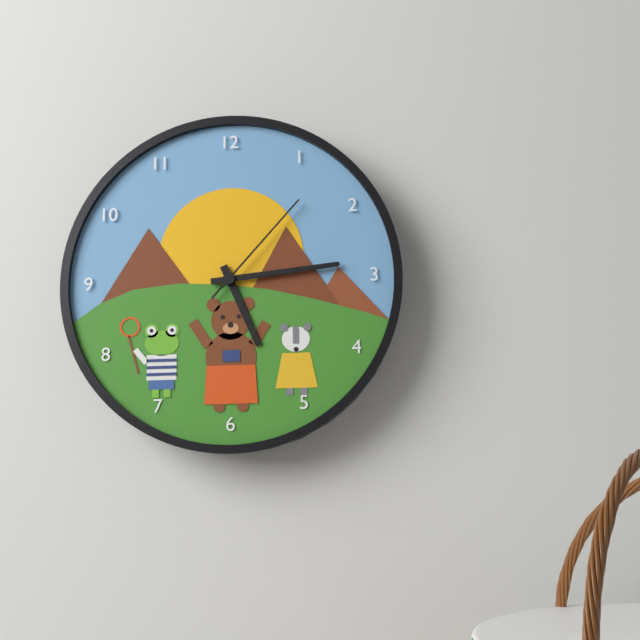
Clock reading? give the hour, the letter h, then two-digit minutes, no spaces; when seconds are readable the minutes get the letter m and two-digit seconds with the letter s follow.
5h14m07s
